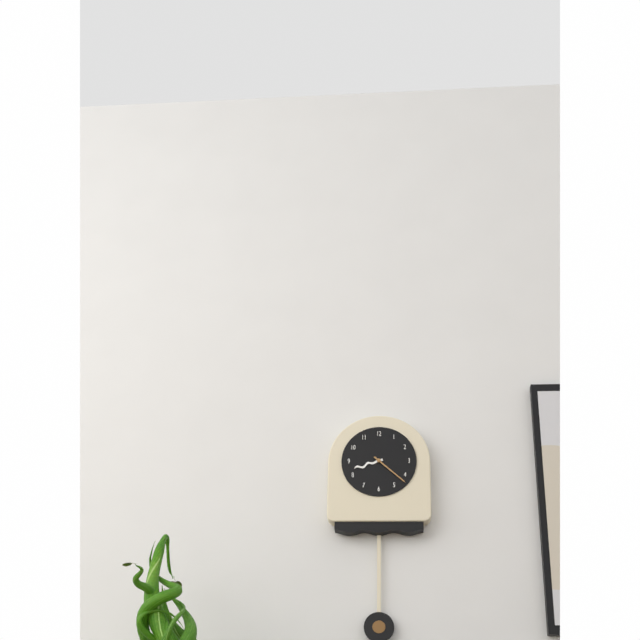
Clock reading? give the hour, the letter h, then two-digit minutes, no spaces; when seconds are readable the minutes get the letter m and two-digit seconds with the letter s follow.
8h22
